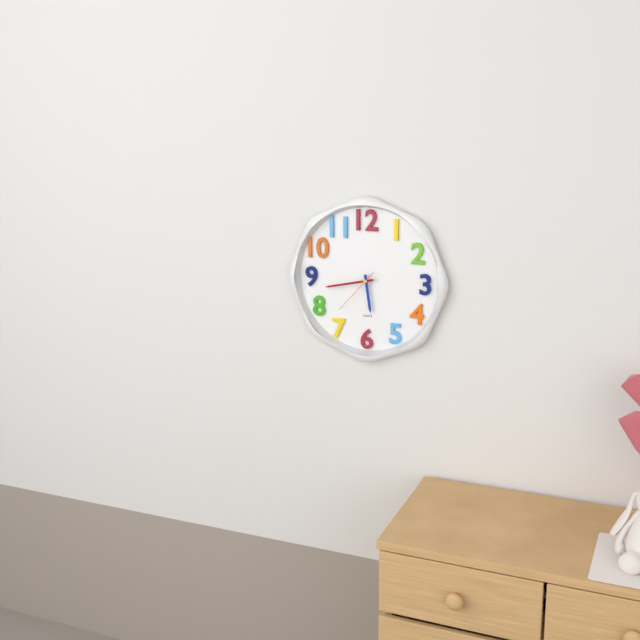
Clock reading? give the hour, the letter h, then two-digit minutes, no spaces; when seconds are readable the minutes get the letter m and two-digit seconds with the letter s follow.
5h43
